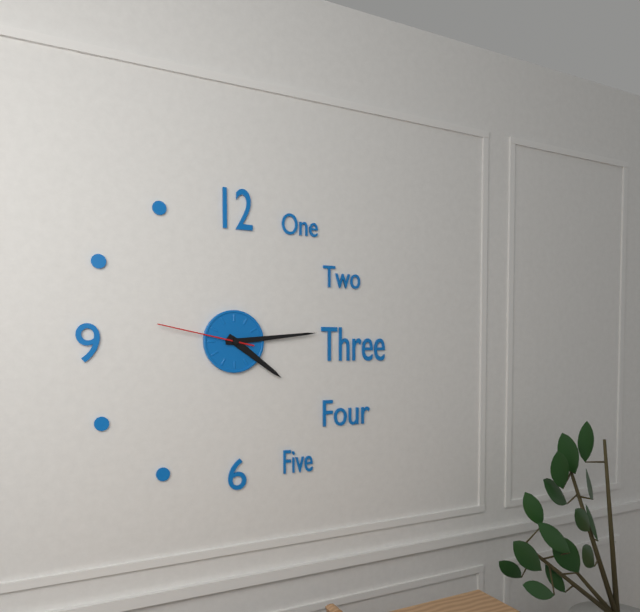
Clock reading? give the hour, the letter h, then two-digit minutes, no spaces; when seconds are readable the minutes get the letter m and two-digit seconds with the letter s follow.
4h14m47s
